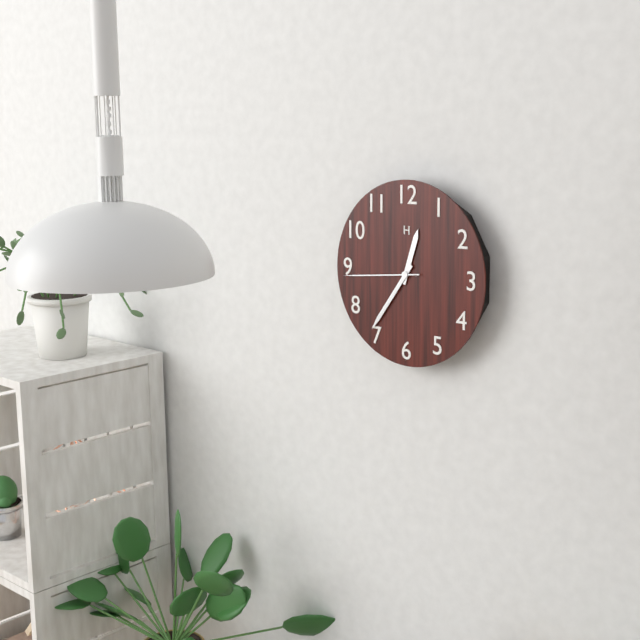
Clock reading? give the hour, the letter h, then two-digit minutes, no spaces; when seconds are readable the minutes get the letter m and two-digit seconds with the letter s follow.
12h36m44s
